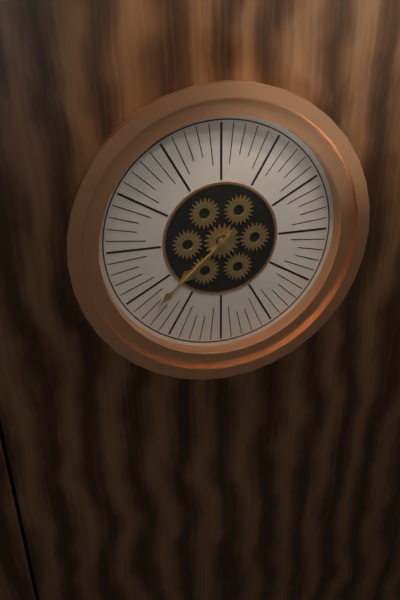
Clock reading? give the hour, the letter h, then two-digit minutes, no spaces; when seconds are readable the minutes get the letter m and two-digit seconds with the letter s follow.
7h38
